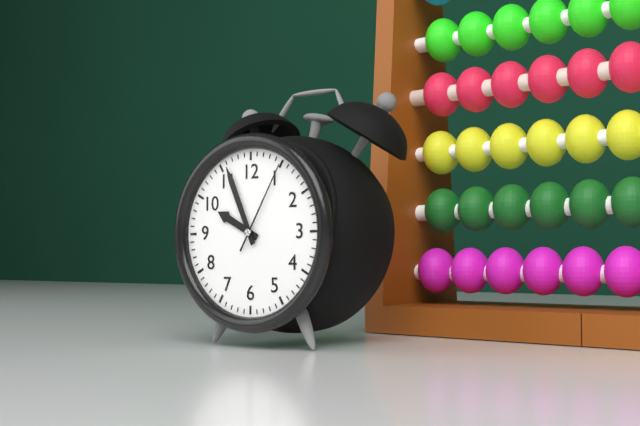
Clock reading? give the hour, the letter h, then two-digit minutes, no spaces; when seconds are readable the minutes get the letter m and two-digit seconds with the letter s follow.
9h56m05s
